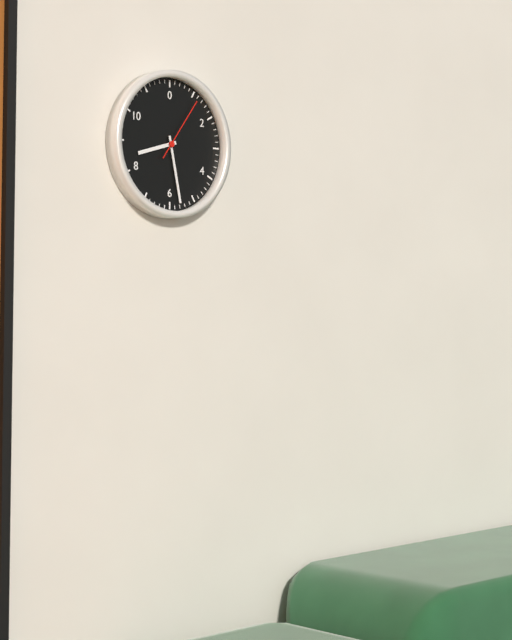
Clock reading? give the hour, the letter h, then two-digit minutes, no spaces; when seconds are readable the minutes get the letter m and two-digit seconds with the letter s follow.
8h28m06s
